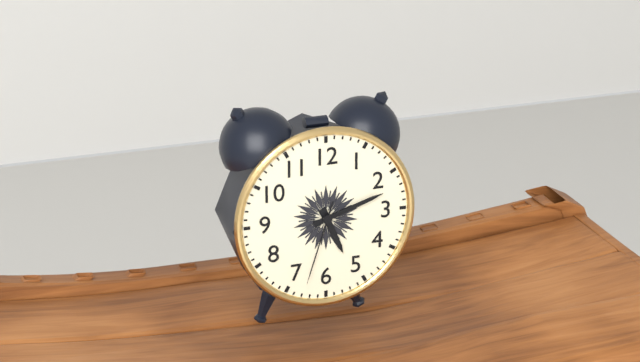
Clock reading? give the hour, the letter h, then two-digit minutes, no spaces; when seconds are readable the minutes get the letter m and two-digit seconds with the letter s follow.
5h12m33s
